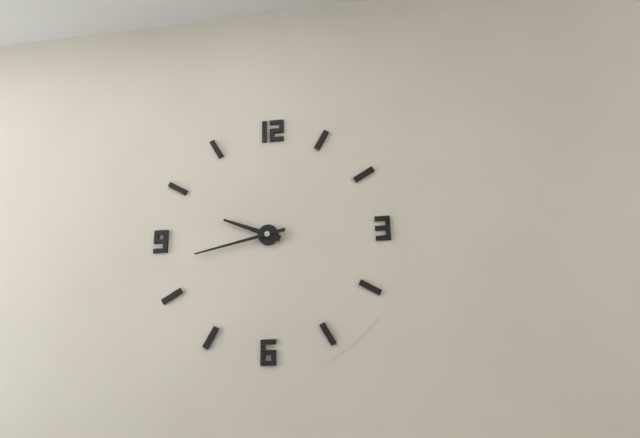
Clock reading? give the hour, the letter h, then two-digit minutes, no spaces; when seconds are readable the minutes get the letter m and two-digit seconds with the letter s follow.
9h43
